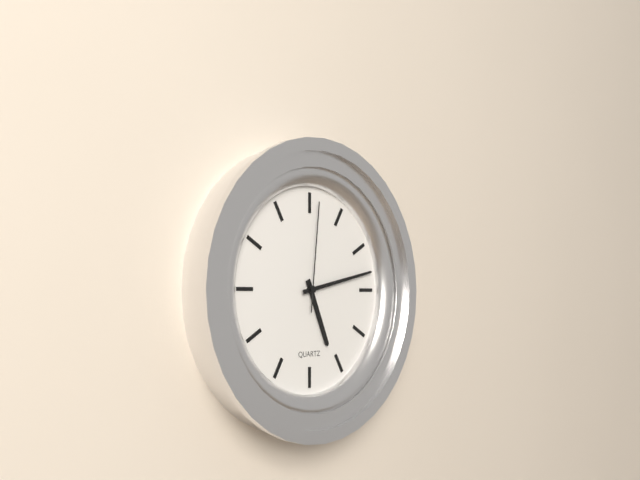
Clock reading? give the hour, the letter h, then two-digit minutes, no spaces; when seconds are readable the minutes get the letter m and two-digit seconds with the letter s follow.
5h13m01s
